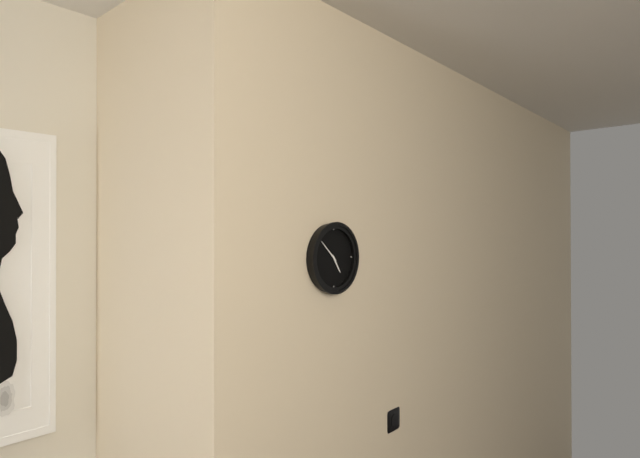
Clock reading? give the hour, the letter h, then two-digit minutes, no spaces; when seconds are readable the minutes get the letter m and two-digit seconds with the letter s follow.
4h52
